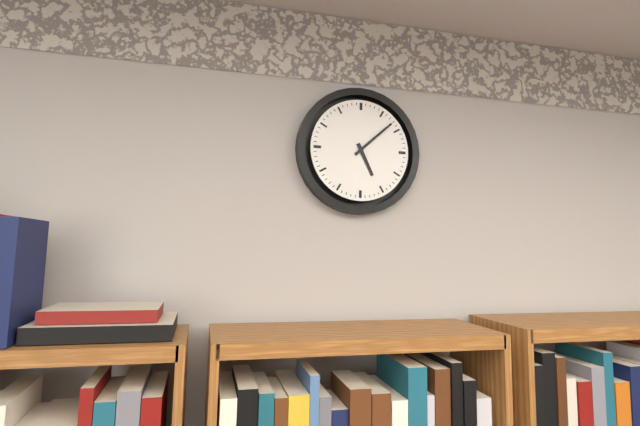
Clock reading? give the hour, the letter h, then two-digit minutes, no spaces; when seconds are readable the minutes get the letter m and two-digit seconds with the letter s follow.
5h08
